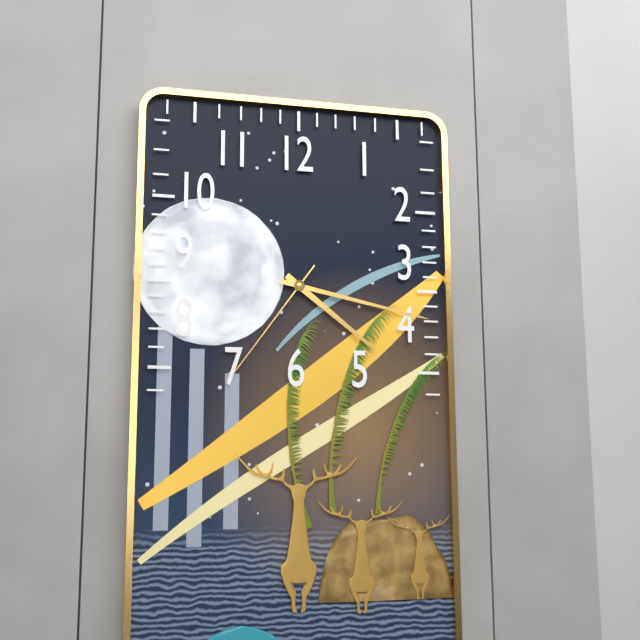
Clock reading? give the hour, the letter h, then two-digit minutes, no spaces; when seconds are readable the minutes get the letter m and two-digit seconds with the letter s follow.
4h17m36s
